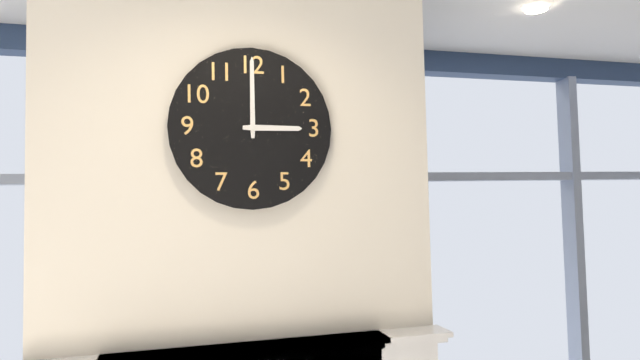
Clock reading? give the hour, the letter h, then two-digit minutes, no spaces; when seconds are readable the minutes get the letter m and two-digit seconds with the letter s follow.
3h00
